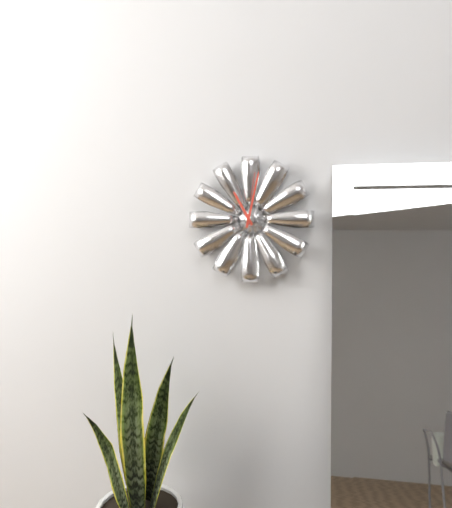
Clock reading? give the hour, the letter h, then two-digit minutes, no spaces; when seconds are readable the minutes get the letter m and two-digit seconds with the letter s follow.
11h02
